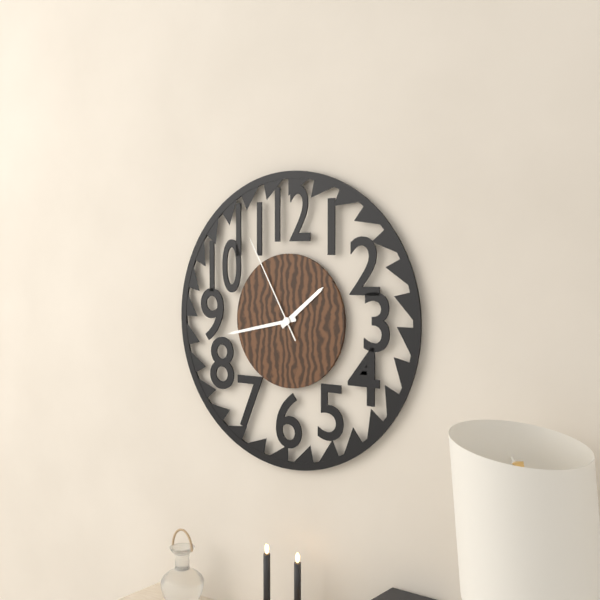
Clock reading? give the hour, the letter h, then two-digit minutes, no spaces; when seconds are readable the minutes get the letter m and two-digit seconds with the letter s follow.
1h43m55s
